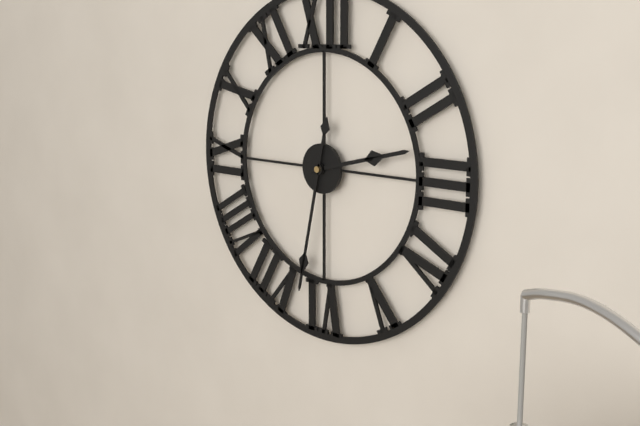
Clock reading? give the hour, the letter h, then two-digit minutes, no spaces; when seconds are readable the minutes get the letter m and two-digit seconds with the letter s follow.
2h32
